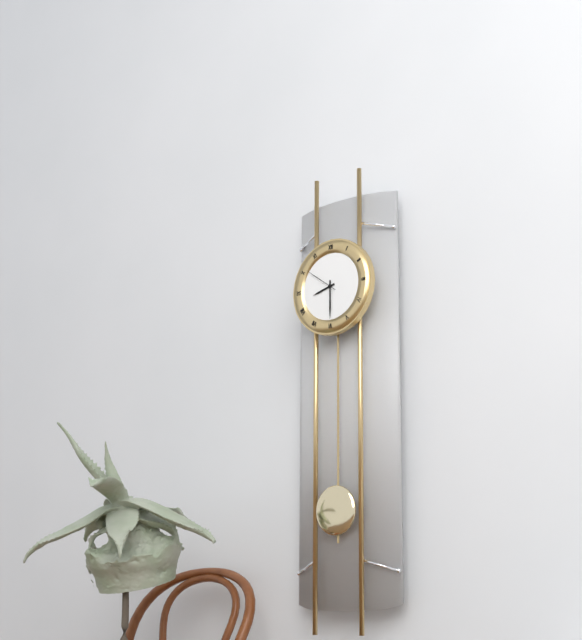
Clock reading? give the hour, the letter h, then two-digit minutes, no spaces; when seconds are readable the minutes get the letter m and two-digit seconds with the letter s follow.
8h30
